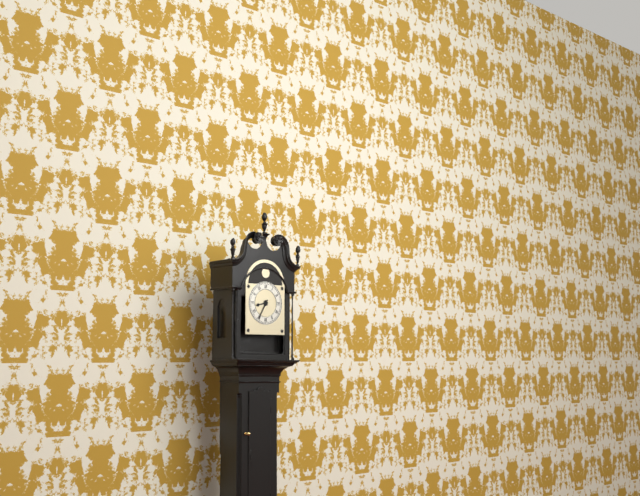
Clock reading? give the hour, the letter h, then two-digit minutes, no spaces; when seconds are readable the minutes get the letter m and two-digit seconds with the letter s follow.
8h35
